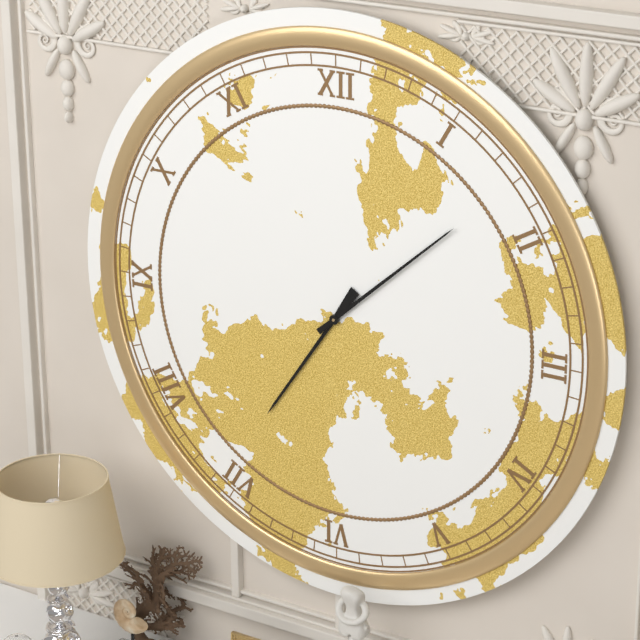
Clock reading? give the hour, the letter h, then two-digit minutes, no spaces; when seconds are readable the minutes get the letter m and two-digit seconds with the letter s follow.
7h08
